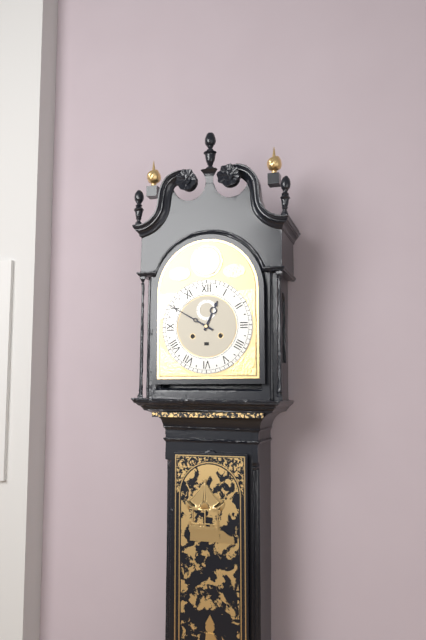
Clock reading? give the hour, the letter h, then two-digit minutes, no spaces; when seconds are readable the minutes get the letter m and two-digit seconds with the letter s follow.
12h50
